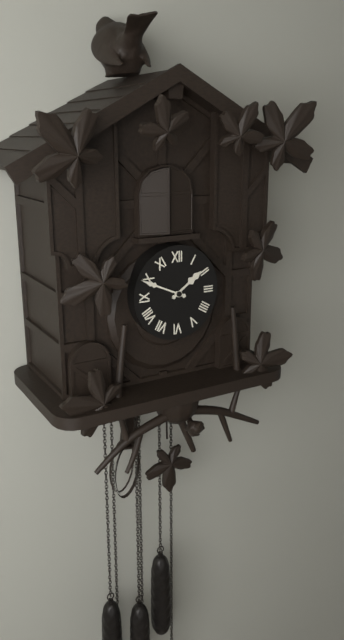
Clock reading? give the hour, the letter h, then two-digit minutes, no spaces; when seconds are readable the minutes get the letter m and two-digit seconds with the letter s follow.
1h49
